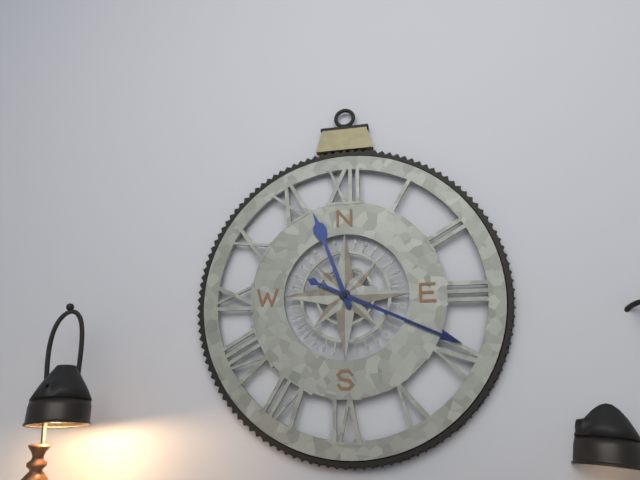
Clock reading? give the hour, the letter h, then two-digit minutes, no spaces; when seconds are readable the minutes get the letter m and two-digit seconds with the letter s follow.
11h19
